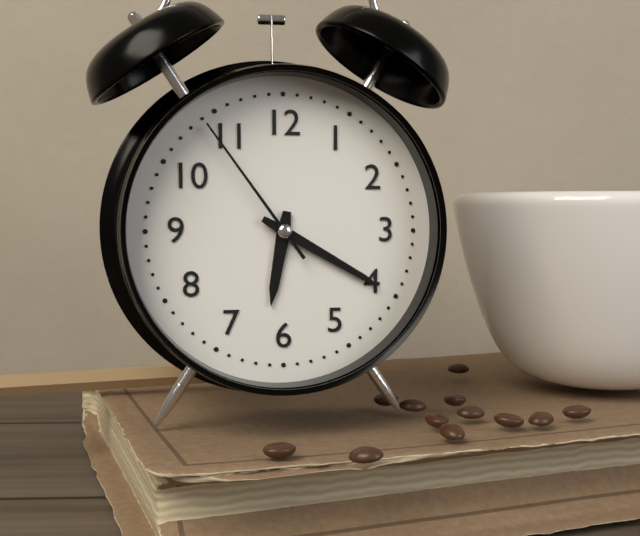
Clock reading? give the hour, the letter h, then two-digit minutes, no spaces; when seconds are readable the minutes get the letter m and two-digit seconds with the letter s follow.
6h20m54s
